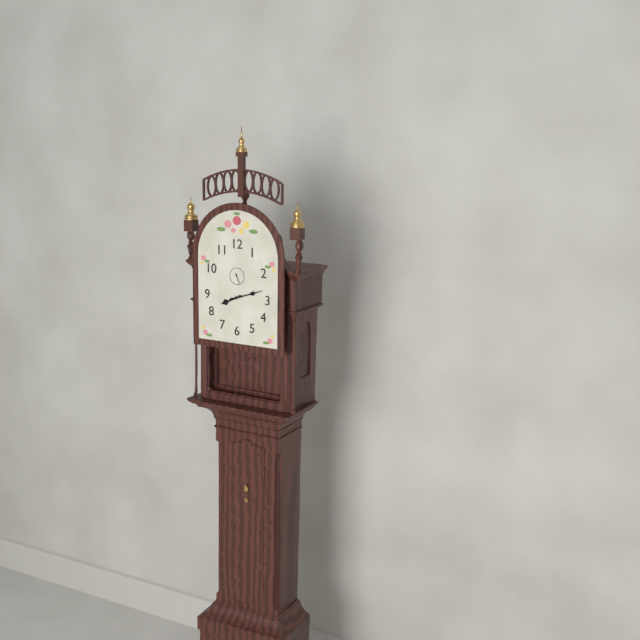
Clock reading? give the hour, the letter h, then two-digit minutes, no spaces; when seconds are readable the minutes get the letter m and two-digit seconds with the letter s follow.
8h12
